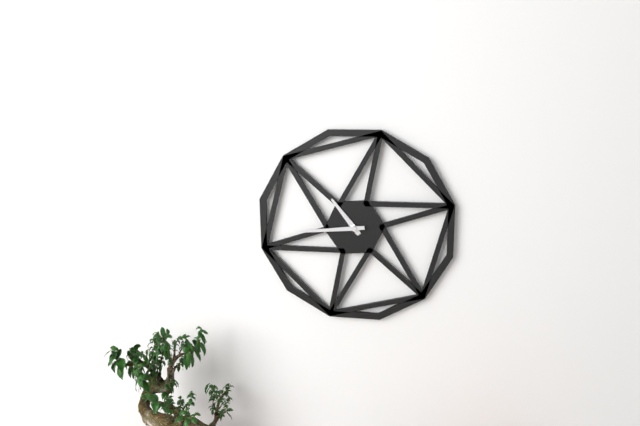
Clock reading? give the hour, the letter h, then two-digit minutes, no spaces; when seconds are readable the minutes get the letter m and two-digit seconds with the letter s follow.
10h44
